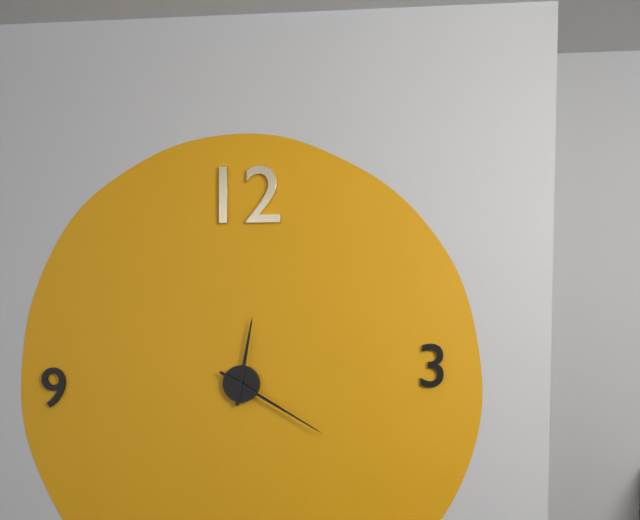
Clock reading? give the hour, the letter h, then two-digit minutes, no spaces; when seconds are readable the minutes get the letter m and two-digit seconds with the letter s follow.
12h20
